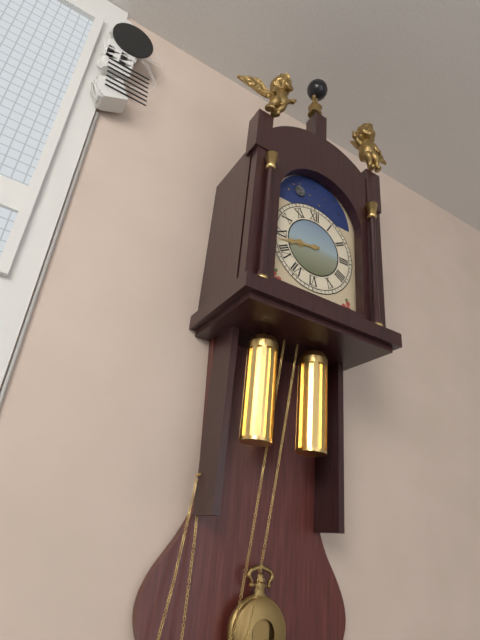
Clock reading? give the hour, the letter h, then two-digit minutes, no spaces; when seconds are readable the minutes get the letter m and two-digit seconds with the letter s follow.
8h43
